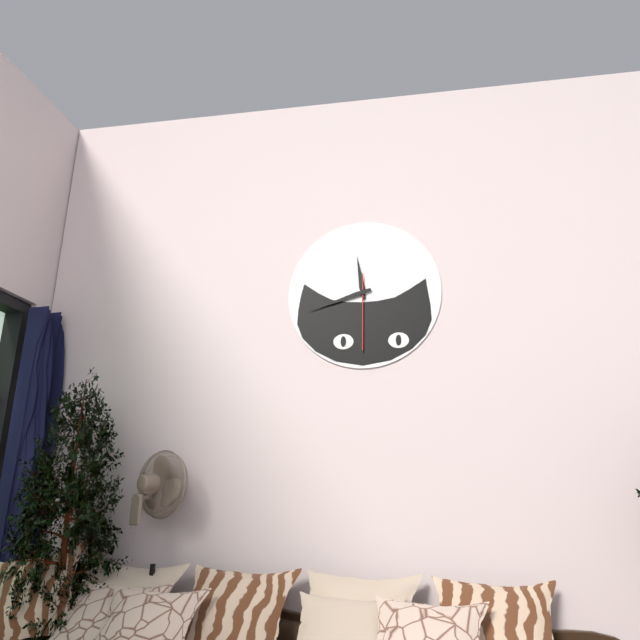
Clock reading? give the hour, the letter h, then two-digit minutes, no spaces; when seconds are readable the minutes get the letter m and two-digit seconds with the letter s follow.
11h42m30s
